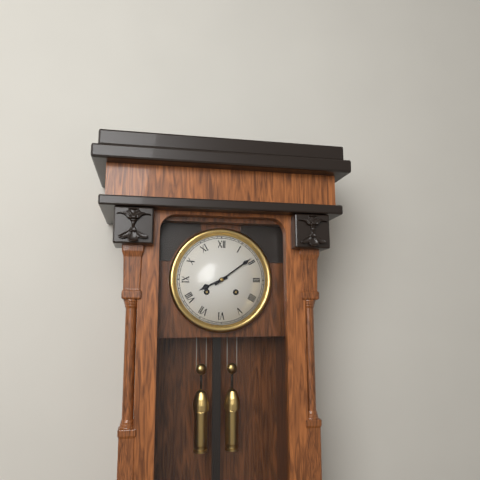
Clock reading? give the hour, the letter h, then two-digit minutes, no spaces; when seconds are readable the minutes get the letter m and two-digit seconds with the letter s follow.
8h09
